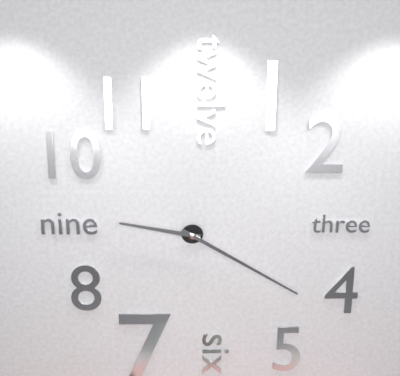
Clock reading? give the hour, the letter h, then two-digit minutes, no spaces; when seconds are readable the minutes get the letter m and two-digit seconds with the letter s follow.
9h20
